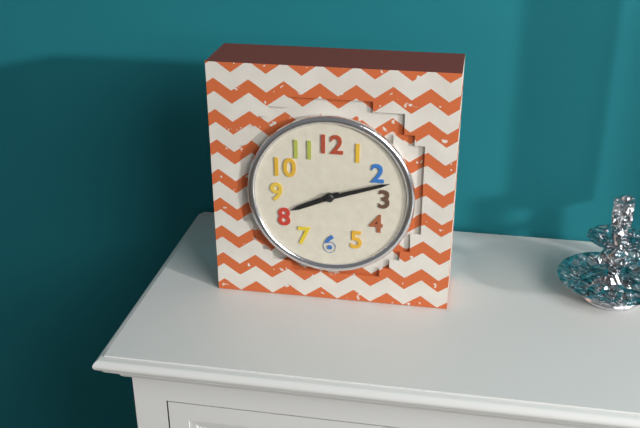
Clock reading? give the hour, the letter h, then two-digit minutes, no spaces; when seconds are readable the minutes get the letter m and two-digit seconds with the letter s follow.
8h12
